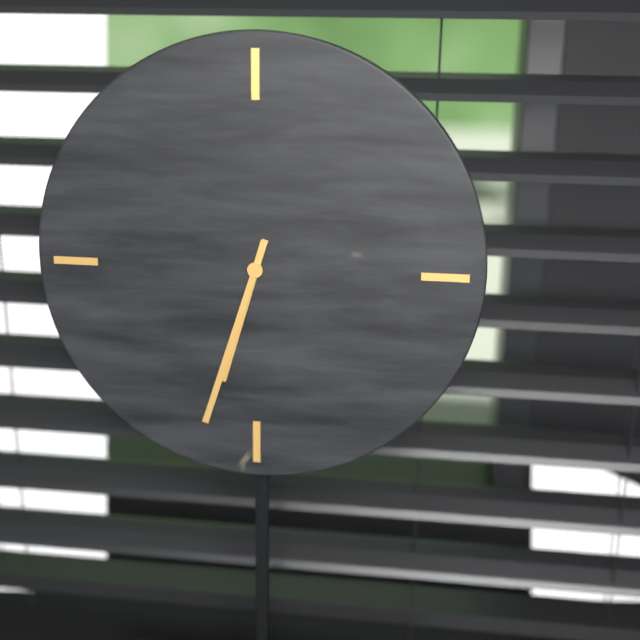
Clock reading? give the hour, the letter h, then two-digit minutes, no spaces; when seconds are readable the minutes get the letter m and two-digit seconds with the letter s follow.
6h33
